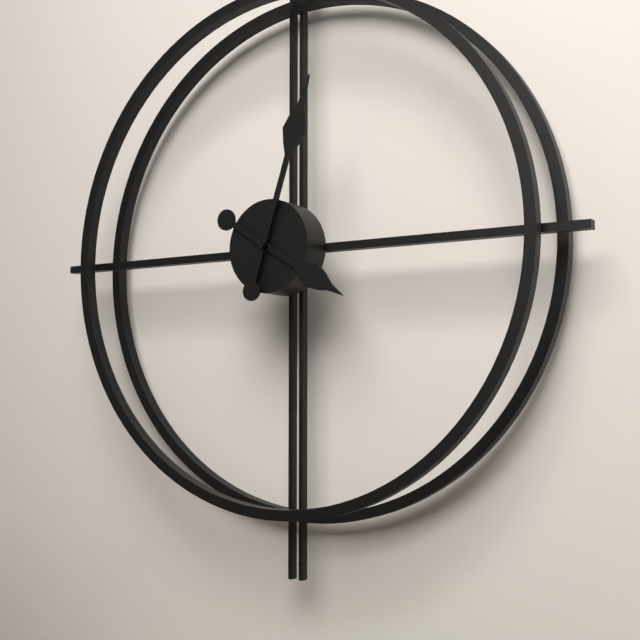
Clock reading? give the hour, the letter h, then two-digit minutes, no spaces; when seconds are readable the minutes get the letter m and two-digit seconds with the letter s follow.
4h03
